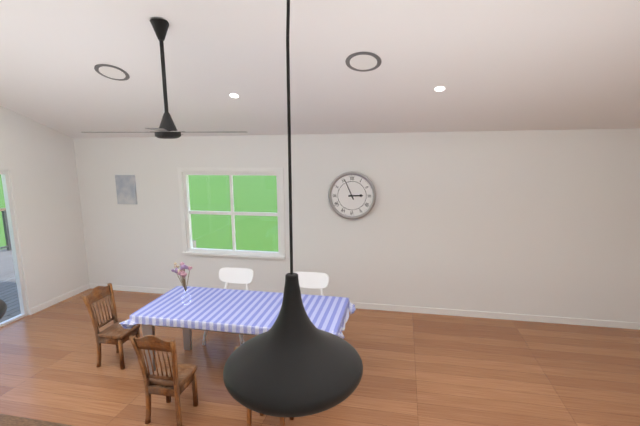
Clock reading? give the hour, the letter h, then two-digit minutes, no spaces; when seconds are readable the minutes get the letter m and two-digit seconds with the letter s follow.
2h56
